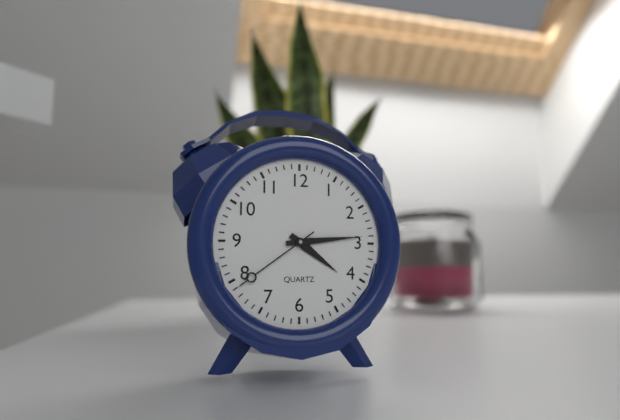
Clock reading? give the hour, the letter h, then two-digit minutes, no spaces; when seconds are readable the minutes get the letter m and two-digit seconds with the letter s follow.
4h14m39s
